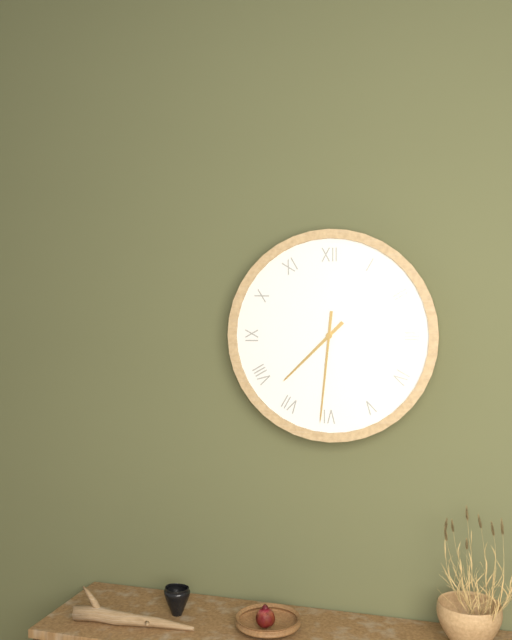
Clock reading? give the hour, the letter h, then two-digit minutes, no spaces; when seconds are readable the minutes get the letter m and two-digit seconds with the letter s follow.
7h31
